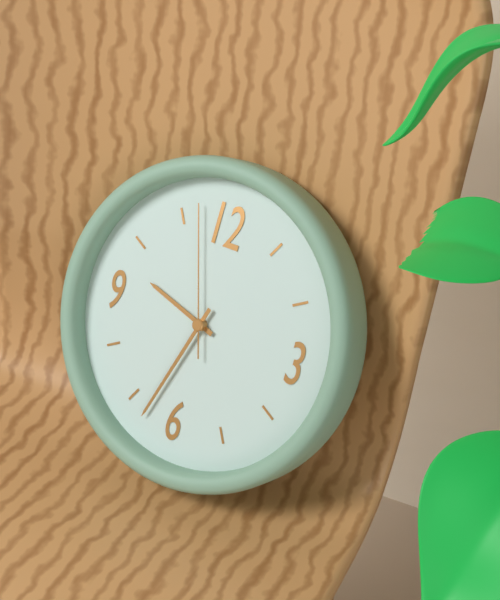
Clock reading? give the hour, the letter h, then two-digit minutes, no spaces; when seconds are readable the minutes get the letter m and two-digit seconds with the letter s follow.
9h33m57s
